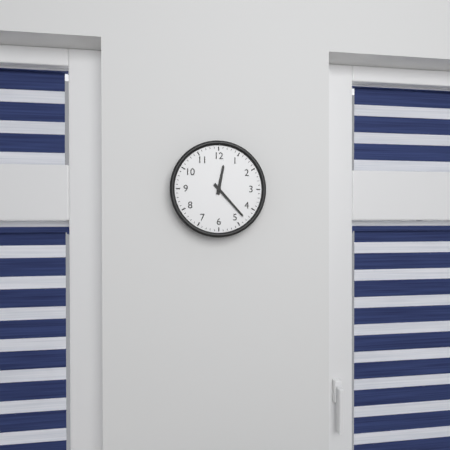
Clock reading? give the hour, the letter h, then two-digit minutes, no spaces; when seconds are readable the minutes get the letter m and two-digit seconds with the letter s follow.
12h23
